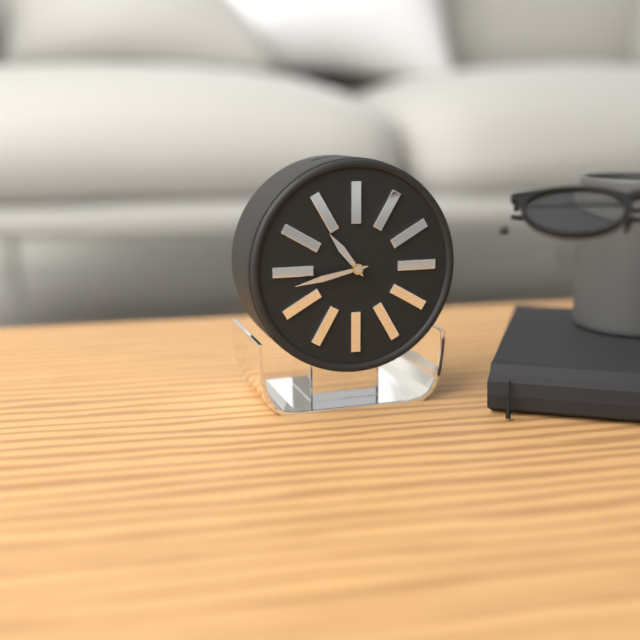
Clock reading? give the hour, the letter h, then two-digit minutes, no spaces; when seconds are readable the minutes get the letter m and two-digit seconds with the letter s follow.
10h43
